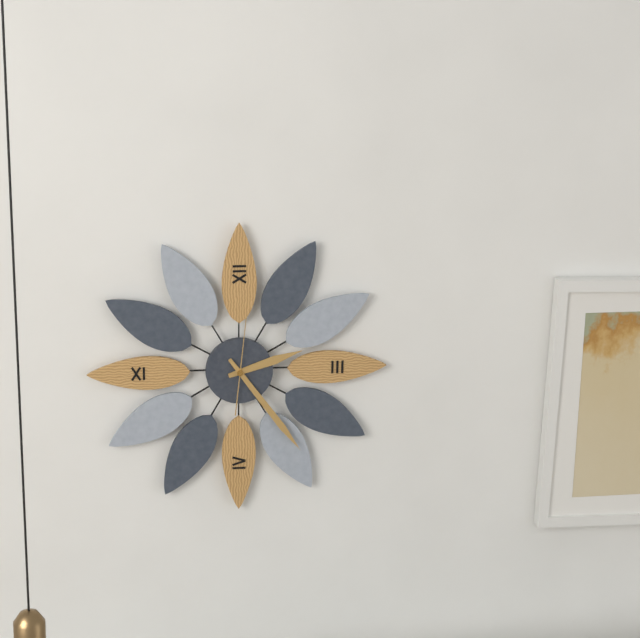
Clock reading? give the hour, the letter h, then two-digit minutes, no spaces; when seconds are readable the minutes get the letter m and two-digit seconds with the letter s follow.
2h24m01s
